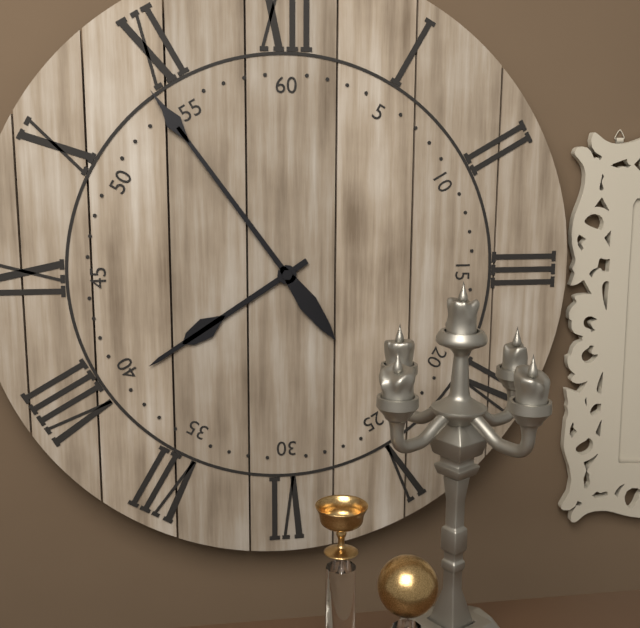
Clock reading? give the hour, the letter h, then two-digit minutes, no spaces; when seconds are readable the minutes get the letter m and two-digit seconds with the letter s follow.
7h54
